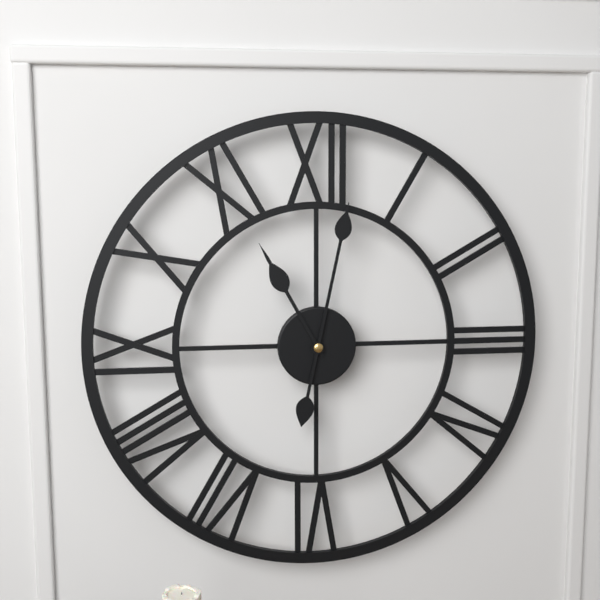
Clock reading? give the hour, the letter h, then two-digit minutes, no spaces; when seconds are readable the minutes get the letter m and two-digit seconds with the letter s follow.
11h02
